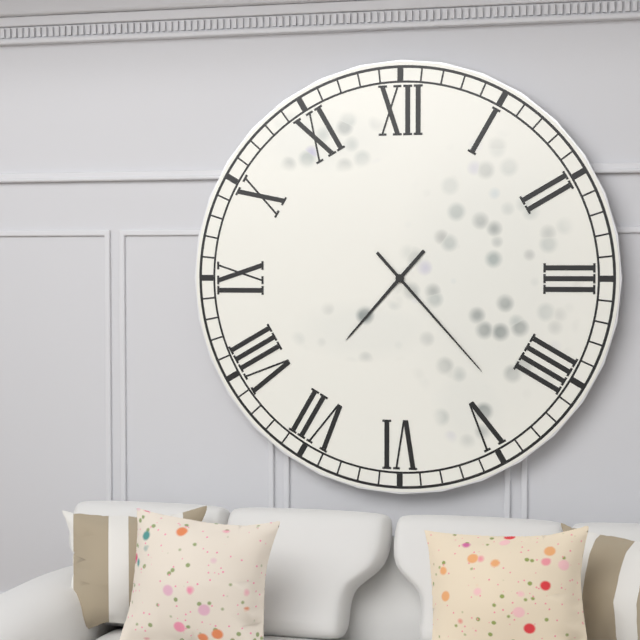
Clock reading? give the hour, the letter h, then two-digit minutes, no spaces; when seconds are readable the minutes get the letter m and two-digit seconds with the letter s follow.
7h23
